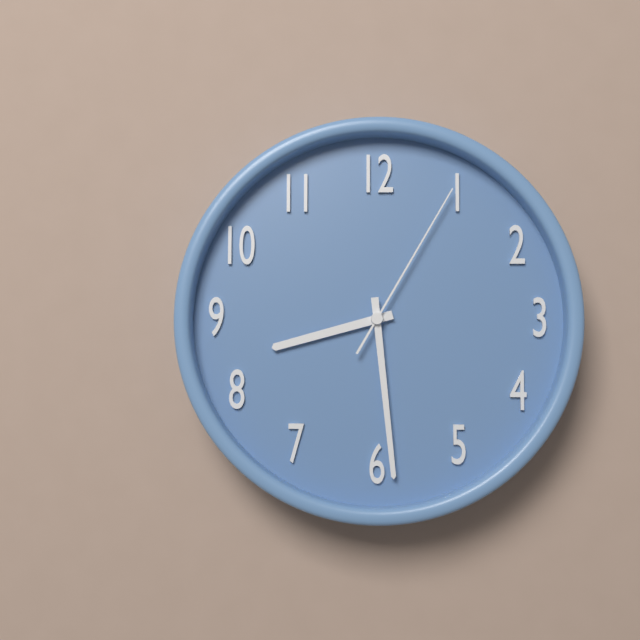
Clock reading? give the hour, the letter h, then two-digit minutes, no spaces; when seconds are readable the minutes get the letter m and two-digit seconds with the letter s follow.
8h29m05s
